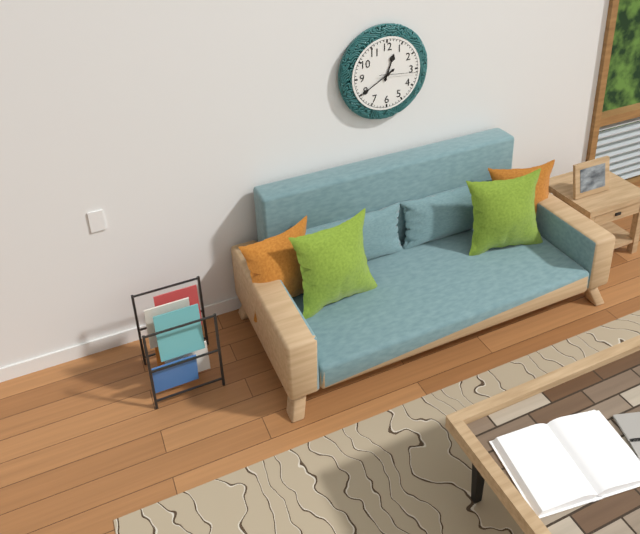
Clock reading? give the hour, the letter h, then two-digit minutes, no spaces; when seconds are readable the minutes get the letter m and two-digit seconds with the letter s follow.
12h40
